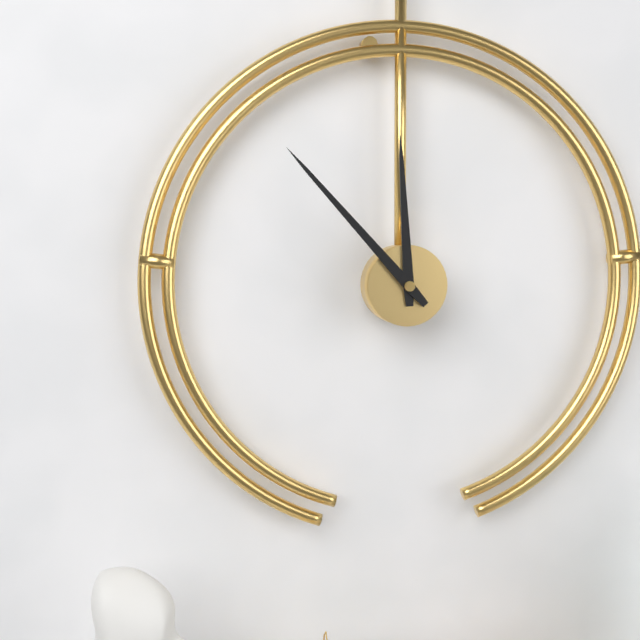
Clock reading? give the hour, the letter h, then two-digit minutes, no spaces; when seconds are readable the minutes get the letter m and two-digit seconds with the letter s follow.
11h53
